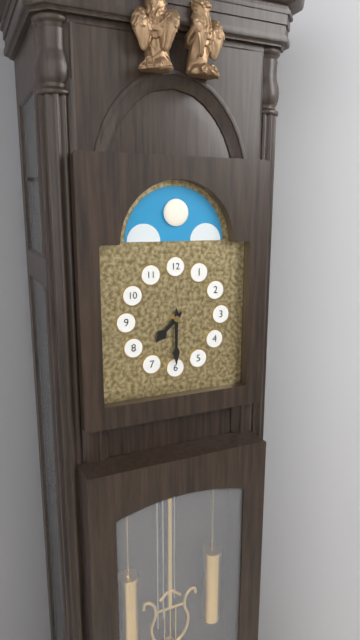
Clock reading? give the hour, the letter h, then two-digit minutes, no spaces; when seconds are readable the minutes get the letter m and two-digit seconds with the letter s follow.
7h30
